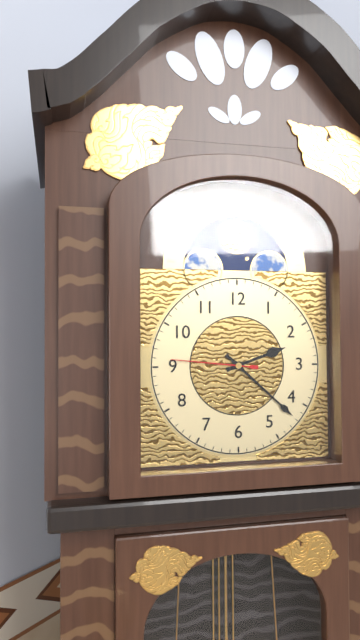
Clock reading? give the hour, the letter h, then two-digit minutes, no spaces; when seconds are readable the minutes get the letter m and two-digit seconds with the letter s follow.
2h22m46s
